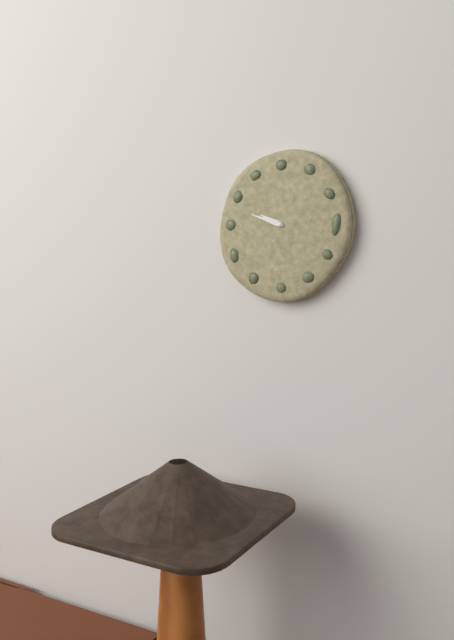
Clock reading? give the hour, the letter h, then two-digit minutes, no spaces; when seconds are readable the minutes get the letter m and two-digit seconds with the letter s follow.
9h48
